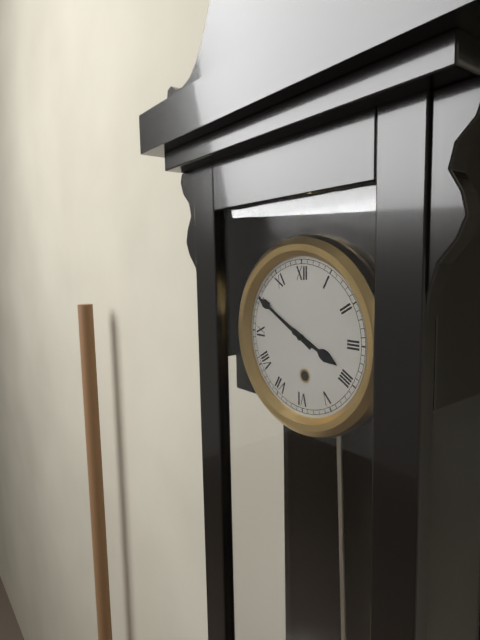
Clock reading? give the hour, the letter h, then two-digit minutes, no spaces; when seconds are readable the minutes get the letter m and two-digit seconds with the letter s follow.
3h50
